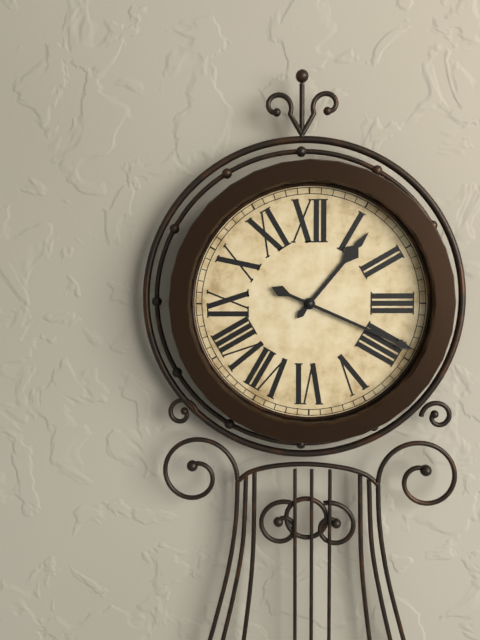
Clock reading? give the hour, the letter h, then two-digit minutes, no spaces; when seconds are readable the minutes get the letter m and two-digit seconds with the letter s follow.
1h19
